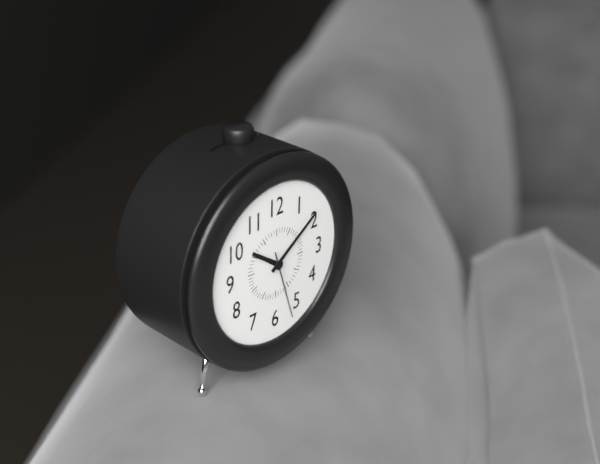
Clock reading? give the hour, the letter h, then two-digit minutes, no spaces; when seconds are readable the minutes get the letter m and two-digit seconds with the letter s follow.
10h09m27s
